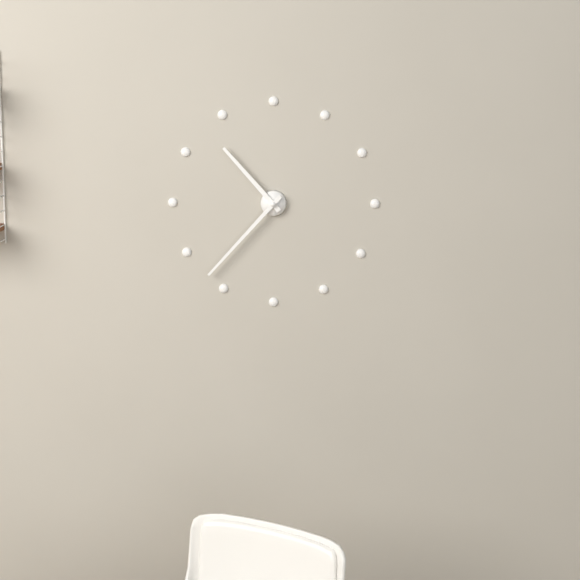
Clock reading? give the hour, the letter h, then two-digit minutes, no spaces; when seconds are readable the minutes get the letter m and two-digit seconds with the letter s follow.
10h37
